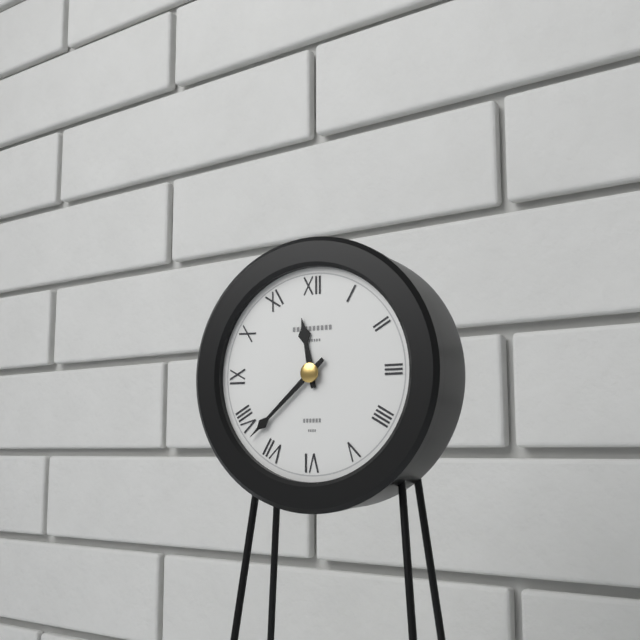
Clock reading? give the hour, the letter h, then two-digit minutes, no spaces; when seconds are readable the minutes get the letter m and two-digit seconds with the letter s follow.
11h38
